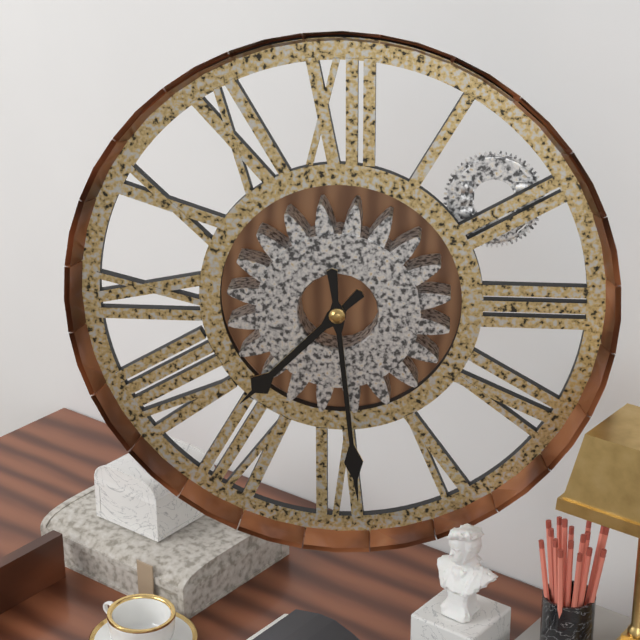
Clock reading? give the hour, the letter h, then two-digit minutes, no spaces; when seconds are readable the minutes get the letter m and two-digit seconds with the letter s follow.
7h29
